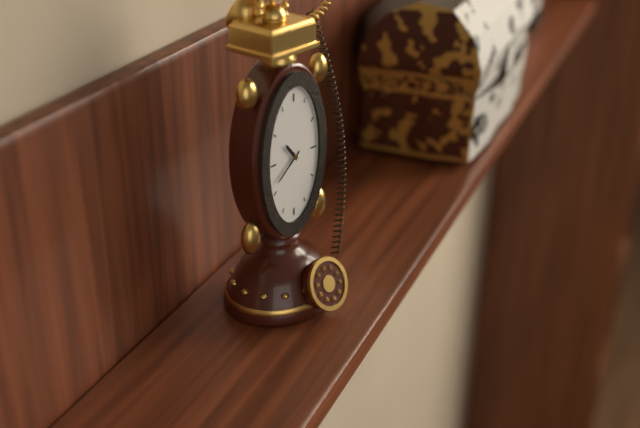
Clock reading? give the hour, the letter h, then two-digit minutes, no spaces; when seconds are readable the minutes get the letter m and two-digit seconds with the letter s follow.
10h39
